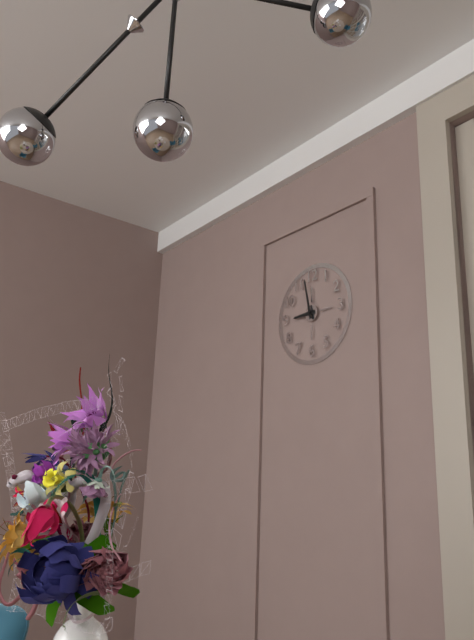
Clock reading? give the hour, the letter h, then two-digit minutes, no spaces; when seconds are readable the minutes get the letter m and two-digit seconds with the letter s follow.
8h58
